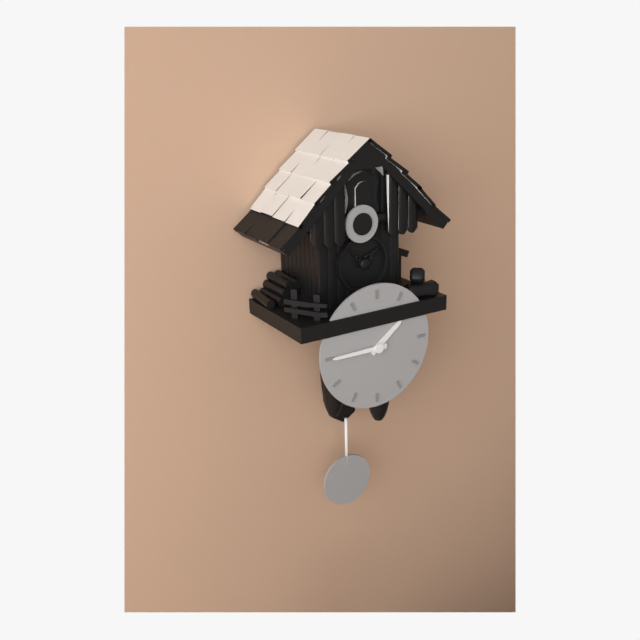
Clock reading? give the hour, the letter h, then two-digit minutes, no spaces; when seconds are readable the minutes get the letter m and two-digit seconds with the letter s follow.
1h45
